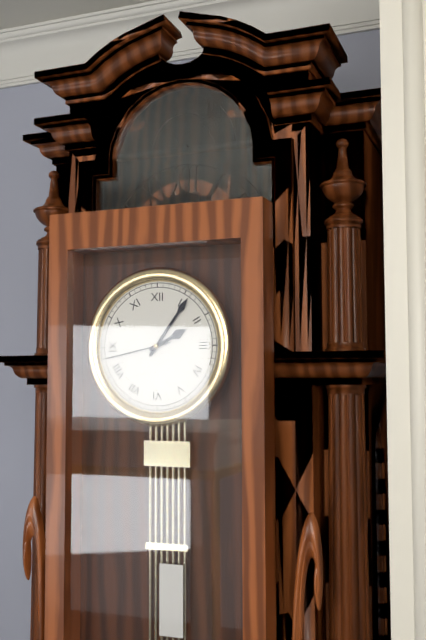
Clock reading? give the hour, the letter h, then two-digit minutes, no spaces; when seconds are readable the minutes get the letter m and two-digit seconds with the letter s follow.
2h06m43s
